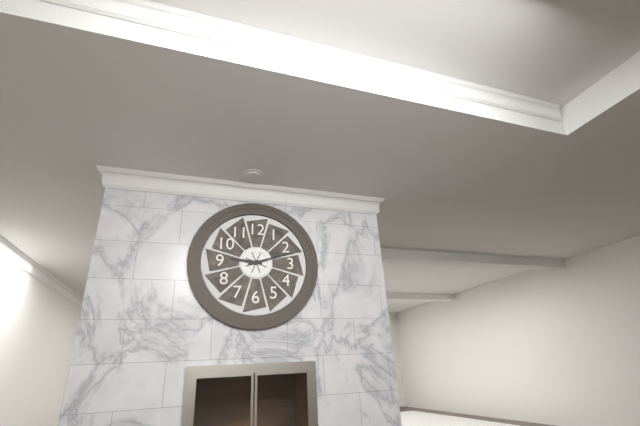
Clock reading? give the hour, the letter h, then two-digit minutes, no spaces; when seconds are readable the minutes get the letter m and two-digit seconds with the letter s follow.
9h12
